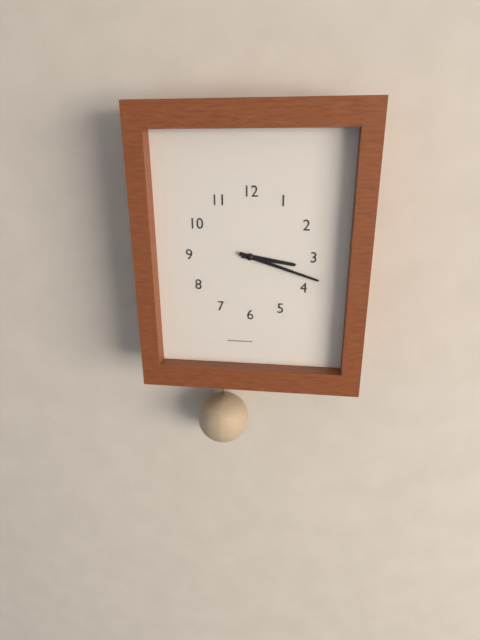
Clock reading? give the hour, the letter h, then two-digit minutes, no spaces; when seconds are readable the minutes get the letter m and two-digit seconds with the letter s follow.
3h18
